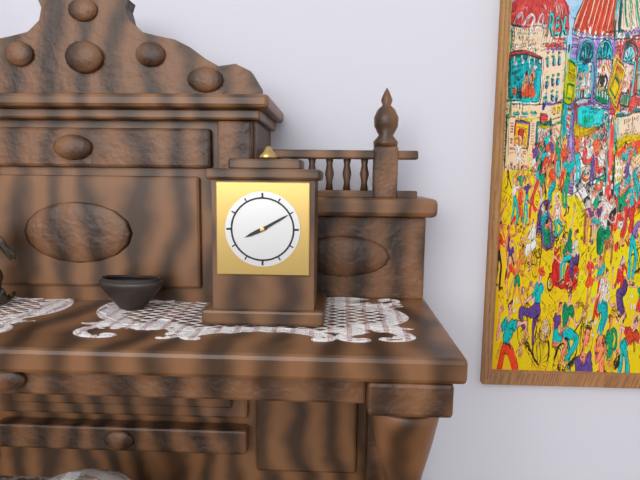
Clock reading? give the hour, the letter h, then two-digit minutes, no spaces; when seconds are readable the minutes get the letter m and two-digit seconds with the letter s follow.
8h10
